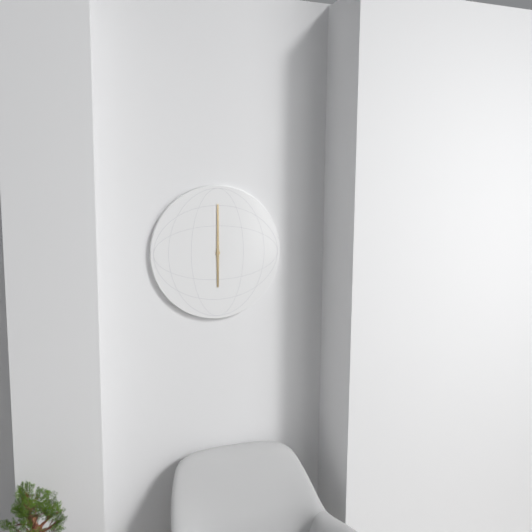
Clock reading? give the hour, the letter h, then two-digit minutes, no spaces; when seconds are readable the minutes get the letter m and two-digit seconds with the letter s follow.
6h00
